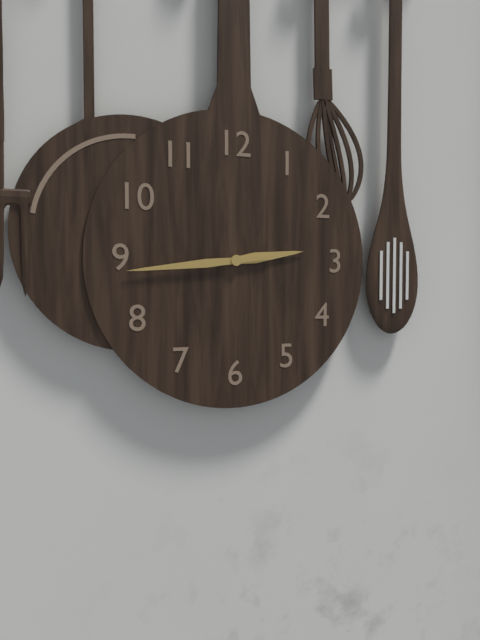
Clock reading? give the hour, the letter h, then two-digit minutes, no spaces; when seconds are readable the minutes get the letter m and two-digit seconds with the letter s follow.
2h44
